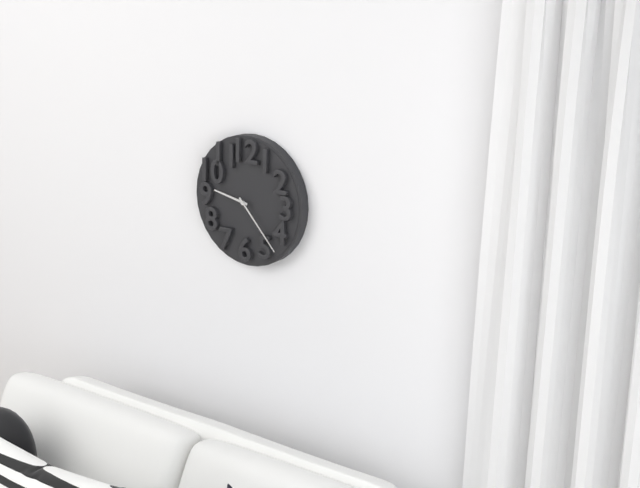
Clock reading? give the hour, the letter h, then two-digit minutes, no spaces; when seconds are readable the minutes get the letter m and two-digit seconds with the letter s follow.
9h23
